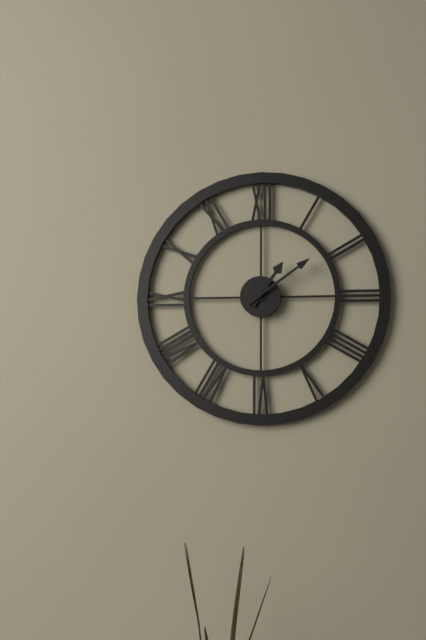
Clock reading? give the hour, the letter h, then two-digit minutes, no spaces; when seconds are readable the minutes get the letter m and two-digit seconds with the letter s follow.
1h09
